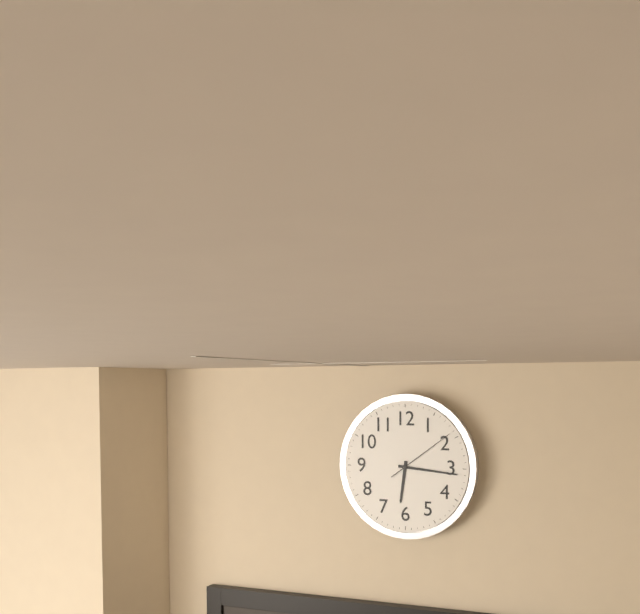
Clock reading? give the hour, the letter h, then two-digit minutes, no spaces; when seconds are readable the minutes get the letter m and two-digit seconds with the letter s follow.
6h16m09s
